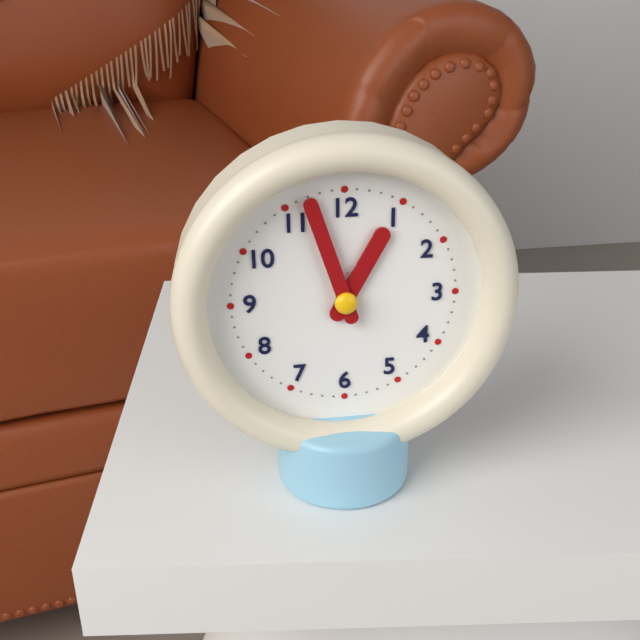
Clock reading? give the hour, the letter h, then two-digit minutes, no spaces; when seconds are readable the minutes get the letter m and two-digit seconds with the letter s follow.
12h57
